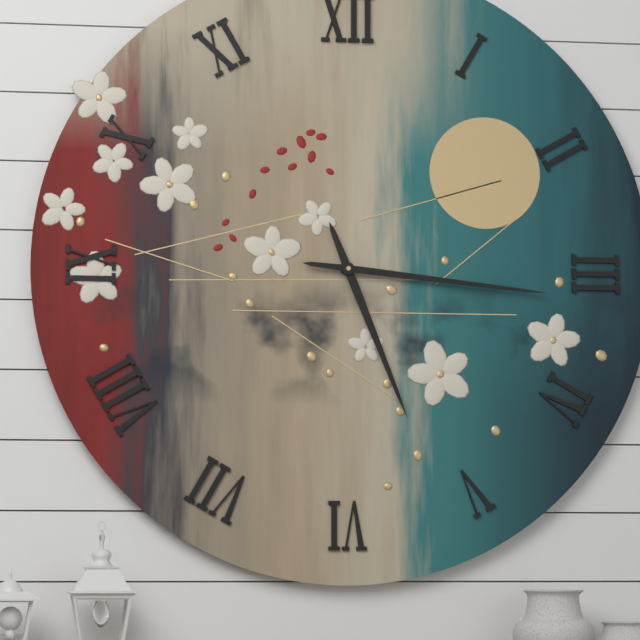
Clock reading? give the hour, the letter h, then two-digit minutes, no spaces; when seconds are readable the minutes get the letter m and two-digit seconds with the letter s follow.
5h16
